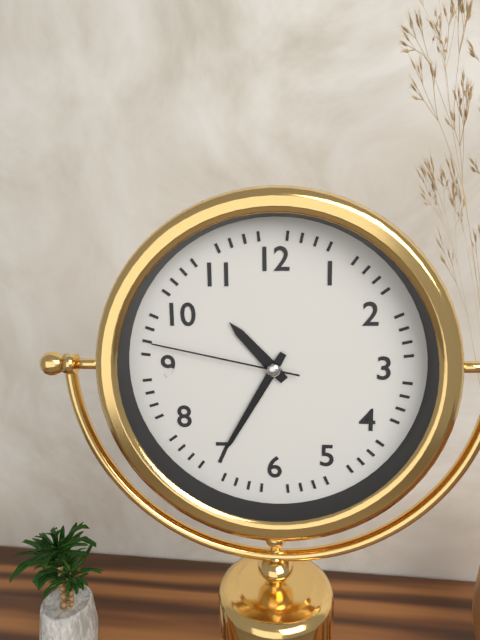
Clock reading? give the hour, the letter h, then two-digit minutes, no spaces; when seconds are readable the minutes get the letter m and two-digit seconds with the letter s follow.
10h35m47s
